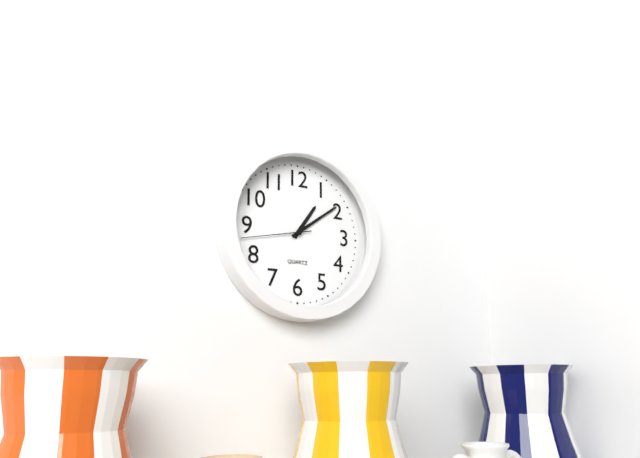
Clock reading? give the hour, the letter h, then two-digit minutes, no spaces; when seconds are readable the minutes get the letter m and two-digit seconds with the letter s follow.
1h09m43s
